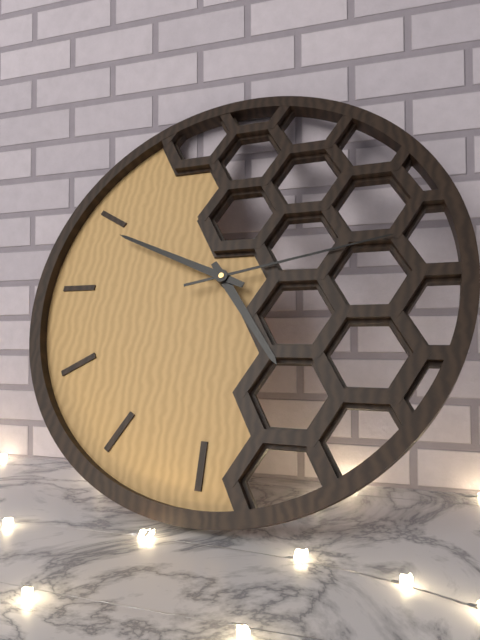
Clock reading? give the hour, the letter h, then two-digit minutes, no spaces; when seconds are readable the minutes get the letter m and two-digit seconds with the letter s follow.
4h49m13s
